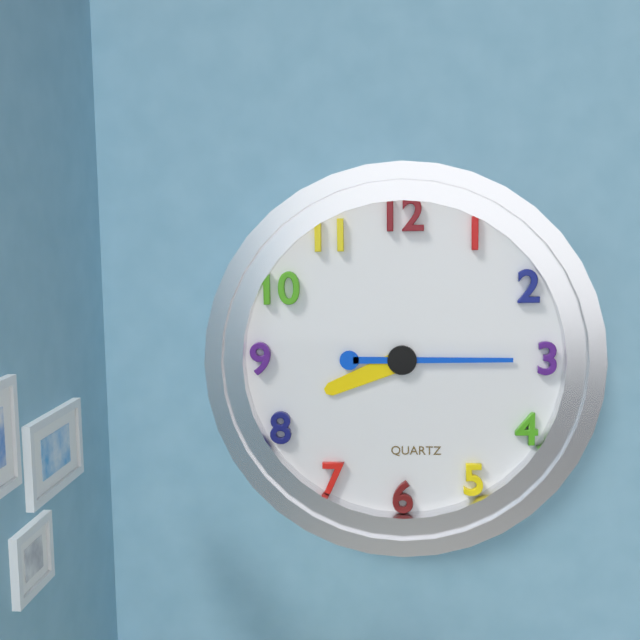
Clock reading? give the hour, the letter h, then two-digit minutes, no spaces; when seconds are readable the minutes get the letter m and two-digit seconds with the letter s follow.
8h15
